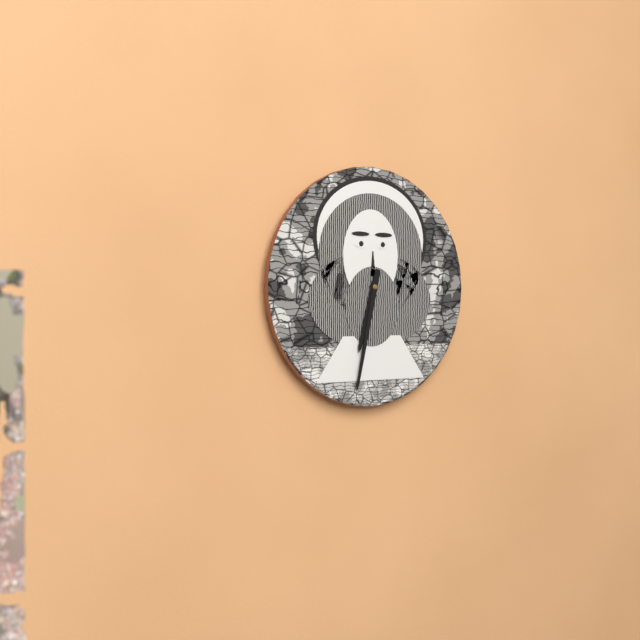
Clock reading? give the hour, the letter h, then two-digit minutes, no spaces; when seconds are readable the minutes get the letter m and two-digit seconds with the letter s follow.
6h32
